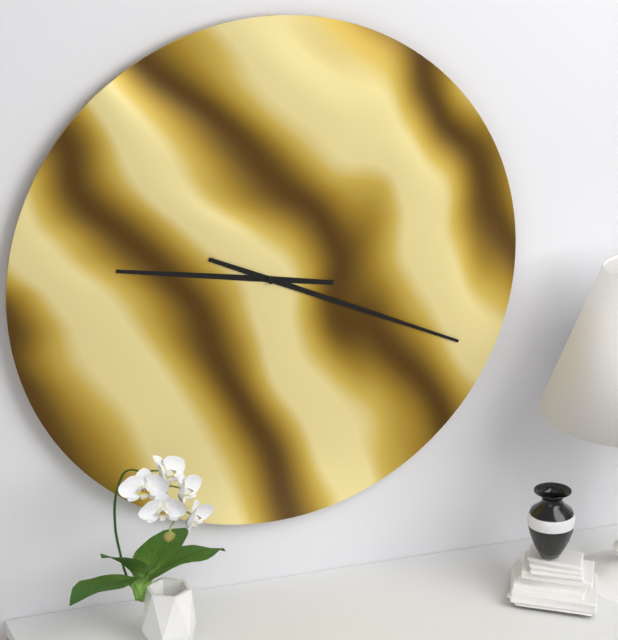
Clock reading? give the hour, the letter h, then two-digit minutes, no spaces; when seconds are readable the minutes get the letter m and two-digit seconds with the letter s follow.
9h19
